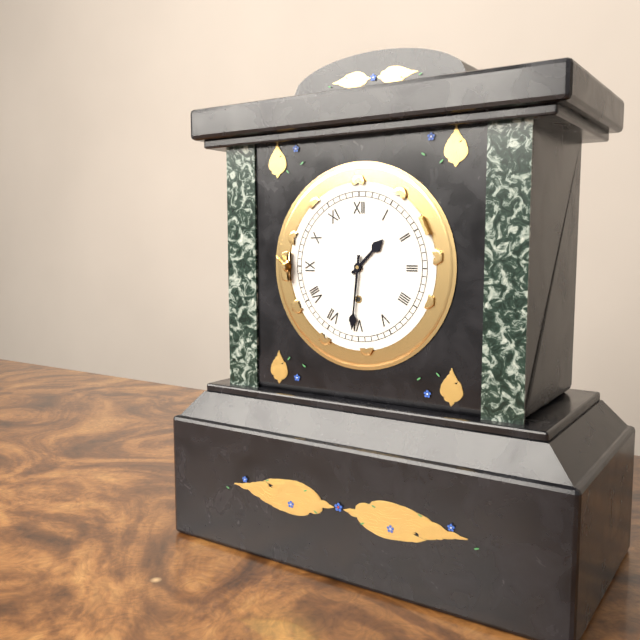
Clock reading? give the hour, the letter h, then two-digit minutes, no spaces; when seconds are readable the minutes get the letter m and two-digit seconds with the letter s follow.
1h31
